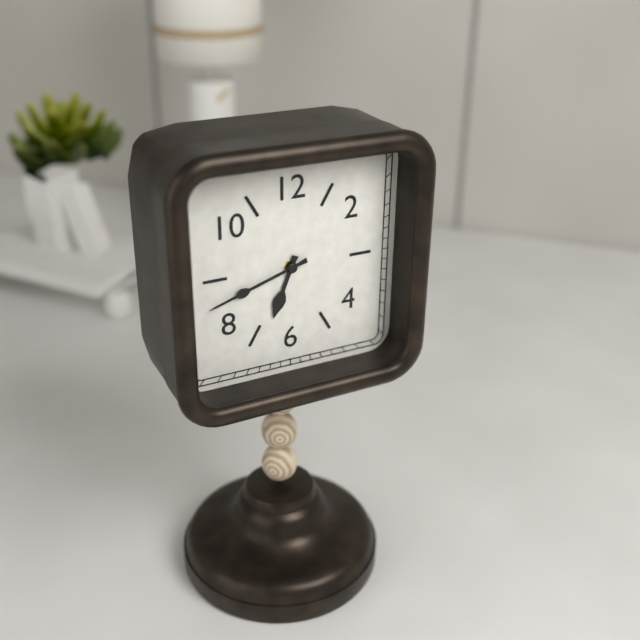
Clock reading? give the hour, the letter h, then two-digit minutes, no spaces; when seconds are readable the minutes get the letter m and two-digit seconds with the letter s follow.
6h42
